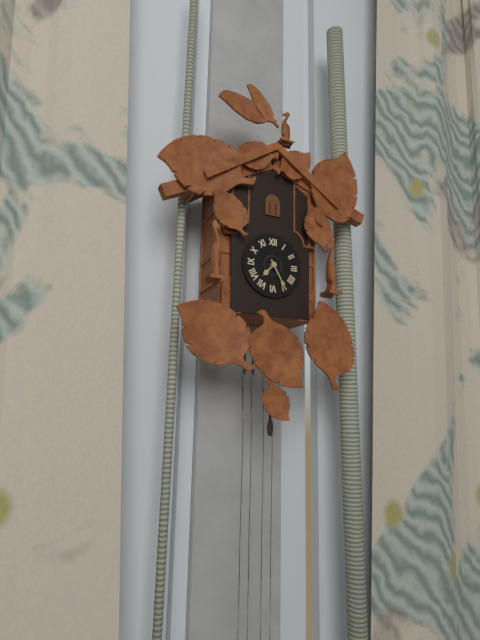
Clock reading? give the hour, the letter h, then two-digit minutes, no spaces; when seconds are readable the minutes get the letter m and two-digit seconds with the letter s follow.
7h25
